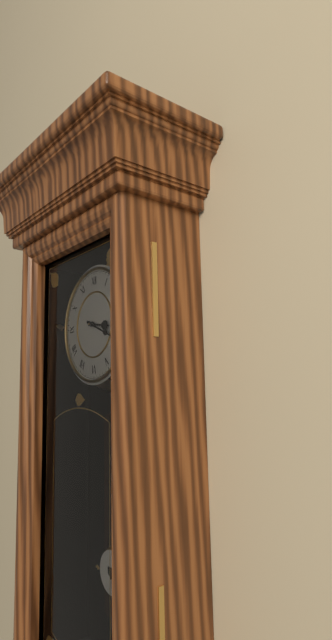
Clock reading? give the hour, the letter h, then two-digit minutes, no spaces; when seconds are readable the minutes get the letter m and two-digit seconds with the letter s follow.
3h19
